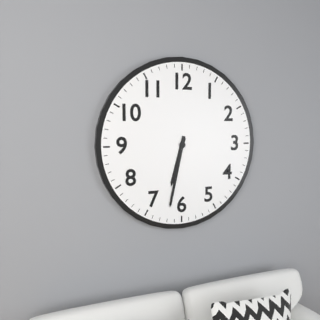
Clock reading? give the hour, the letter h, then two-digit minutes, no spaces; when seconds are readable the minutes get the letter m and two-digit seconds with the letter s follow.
6h32
